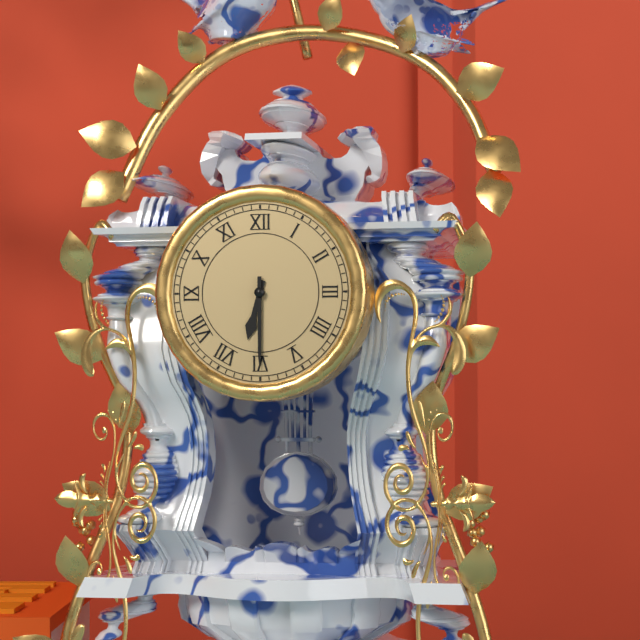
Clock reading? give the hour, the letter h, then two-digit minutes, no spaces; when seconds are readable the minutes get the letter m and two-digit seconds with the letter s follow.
6h30
